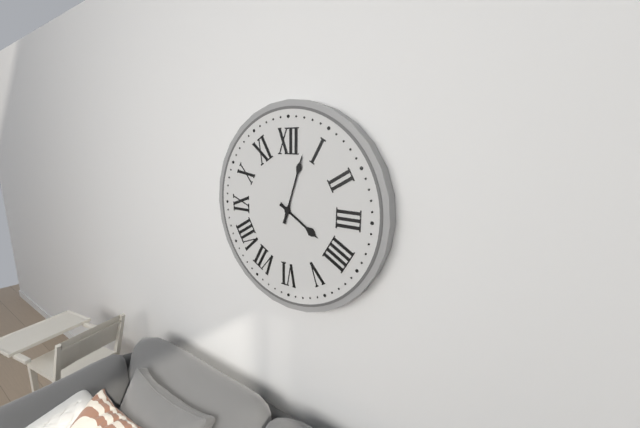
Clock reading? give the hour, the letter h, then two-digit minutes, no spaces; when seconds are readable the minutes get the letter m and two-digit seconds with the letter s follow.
4h03
